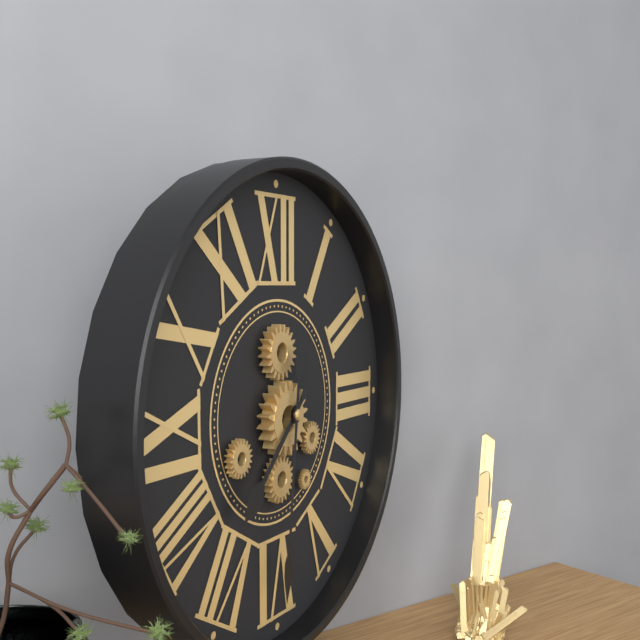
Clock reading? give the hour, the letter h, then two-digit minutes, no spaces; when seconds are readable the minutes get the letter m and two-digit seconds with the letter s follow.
7h31
